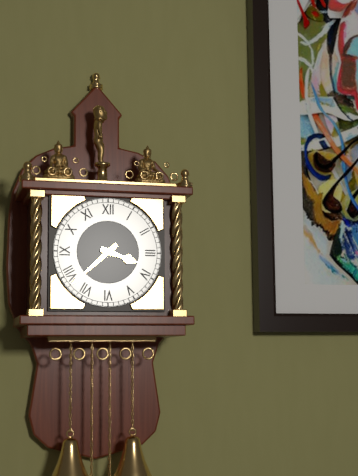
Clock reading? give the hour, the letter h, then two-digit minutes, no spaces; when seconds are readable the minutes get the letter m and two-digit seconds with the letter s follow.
3h38
